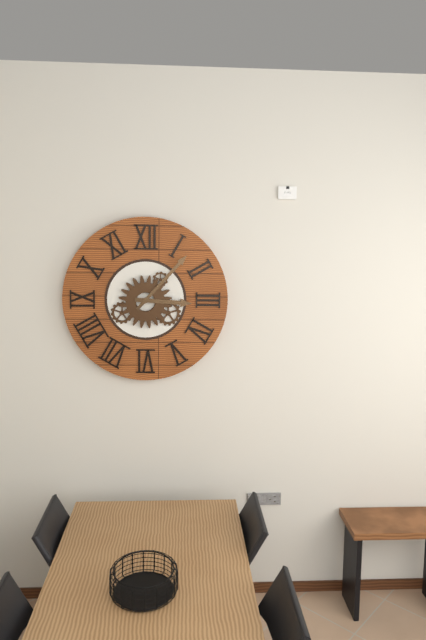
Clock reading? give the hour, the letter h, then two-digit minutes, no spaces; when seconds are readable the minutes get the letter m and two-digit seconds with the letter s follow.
3h07
